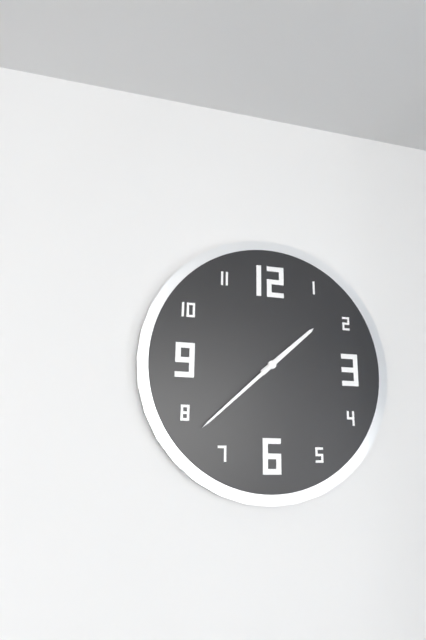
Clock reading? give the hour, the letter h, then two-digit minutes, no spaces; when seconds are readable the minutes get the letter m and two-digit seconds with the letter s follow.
1h38
